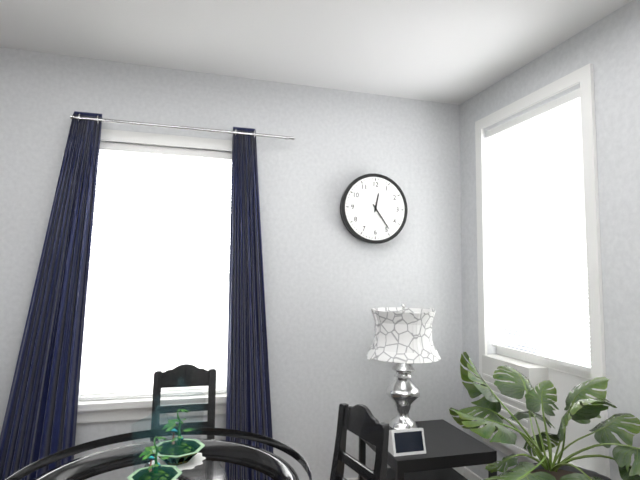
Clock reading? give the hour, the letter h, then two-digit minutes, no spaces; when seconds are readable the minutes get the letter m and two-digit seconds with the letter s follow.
12h24
